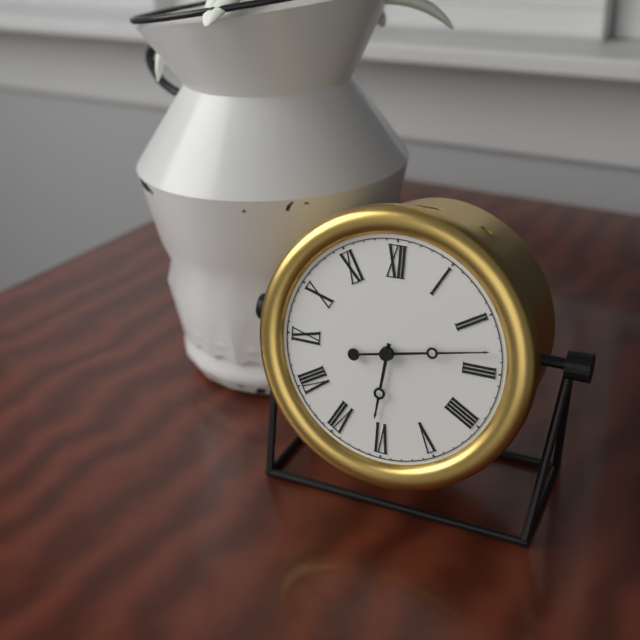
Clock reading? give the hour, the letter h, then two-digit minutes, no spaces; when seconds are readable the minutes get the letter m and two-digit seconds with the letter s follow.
6h13
